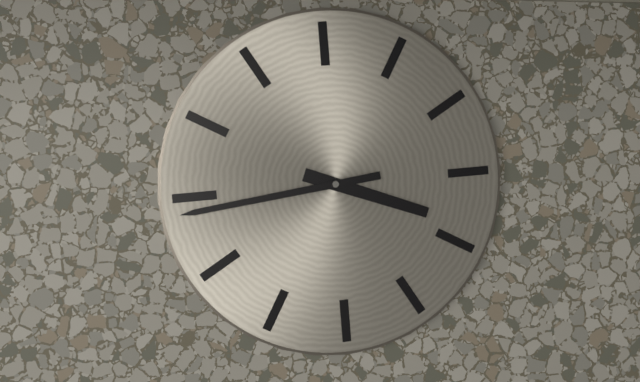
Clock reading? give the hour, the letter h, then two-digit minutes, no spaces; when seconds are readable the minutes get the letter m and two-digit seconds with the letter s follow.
3h44
